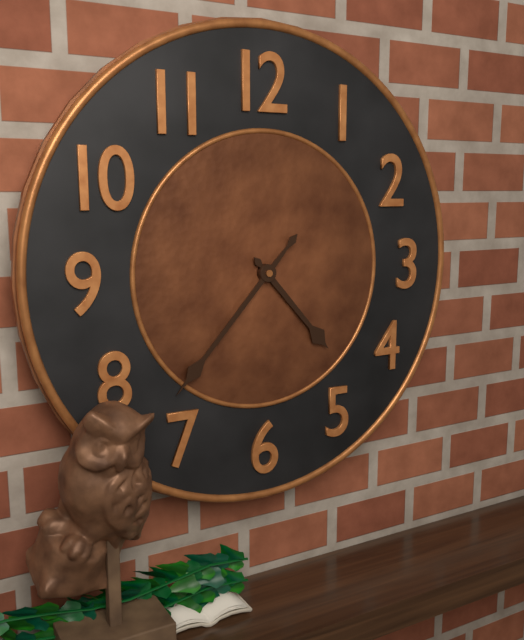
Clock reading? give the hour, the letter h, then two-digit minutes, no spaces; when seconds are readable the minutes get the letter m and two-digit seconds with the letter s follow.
4h37
